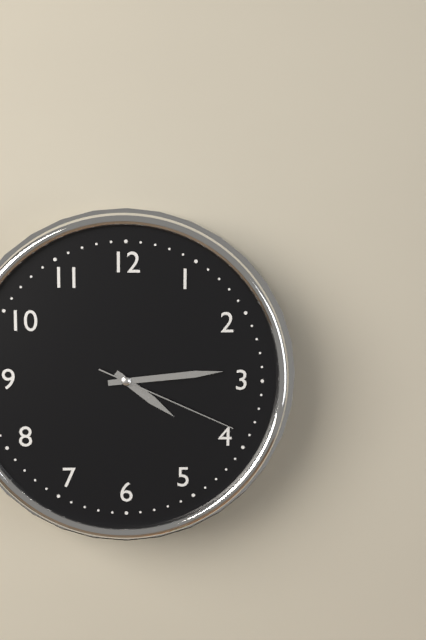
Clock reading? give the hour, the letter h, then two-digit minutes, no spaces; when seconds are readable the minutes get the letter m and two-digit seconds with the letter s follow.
4h14m19s
